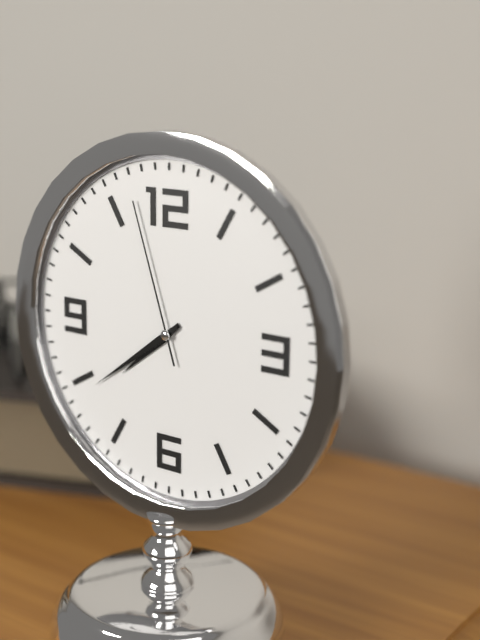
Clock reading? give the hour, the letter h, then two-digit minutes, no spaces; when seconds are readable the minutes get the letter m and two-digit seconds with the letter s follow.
7h39m57s
